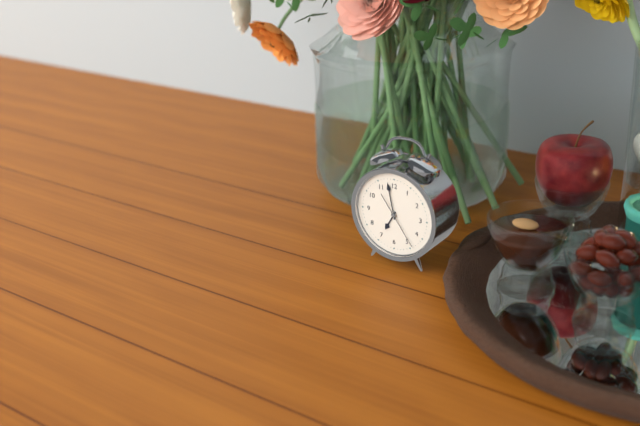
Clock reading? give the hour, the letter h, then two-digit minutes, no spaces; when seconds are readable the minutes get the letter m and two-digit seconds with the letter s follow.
6h58
